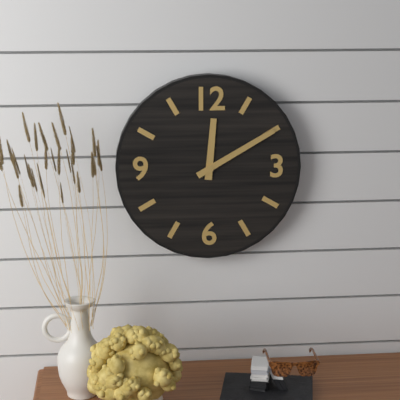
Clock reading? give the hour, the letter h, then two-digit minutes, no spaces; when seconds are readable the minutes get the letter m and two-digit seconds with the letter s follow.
12h10
